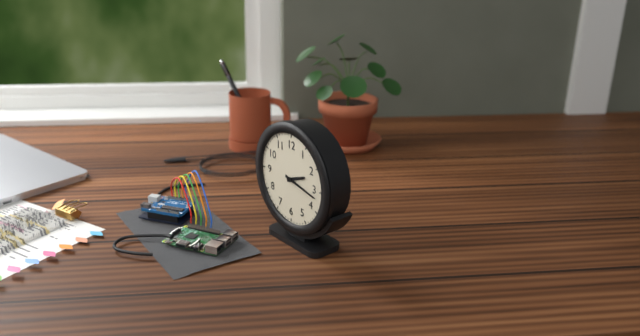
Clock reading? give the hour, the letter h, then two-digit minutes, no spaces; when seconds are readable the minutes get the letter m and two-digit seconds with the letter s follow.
2h17
